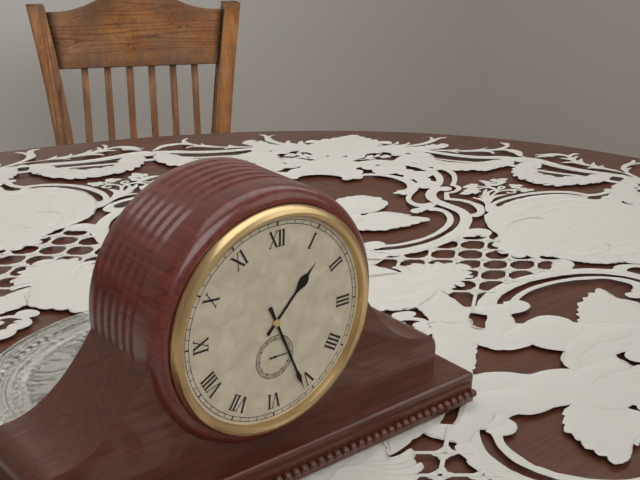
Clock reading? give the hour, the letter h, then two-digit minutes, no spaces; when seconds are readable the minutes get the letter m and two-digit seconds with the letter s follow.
1h26m15s
